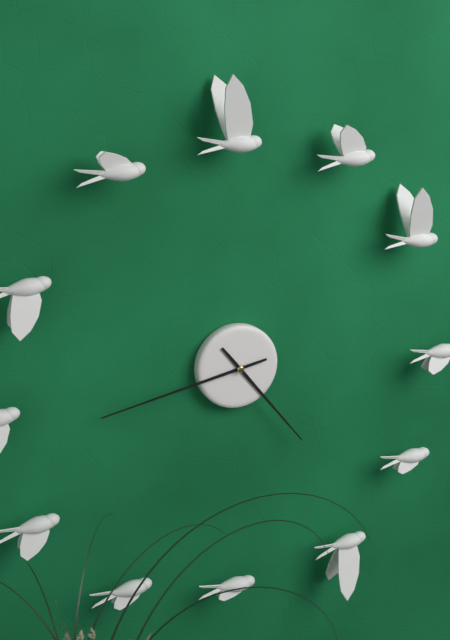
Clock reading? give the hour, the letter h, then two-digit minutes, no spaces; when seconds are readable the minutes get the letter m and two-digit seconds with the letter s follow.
4h43
